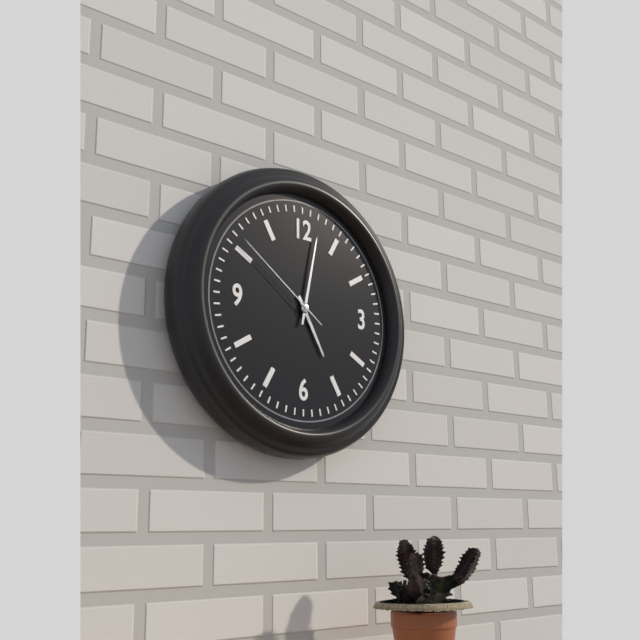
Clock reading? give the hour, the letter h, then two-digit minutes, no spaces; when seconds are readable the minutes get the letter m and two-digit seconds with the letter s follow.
5h02m51s
